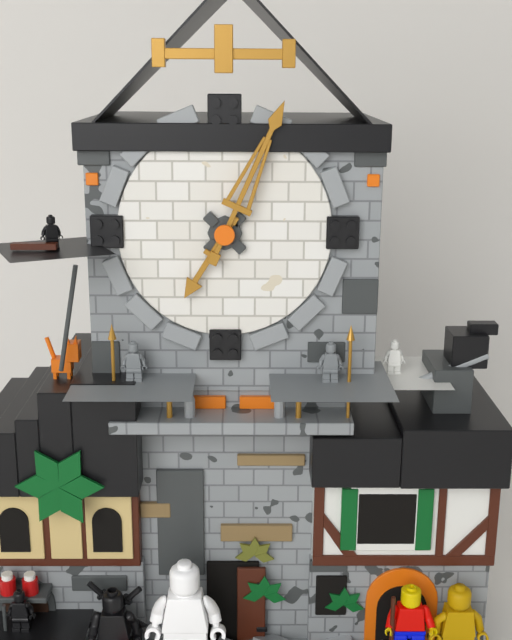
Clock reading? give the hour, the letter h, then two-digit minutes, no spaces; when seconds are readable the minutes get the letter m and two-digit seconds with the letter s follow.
7h04
